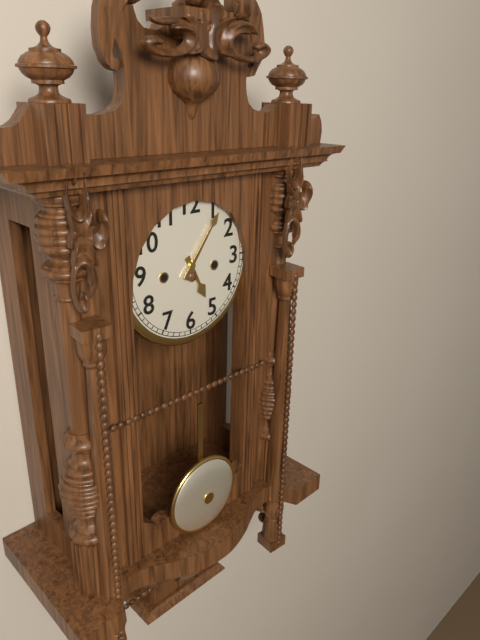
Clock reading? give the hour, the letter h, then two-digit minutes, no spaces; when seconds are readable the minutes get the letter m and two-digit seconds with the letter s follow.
5h06
